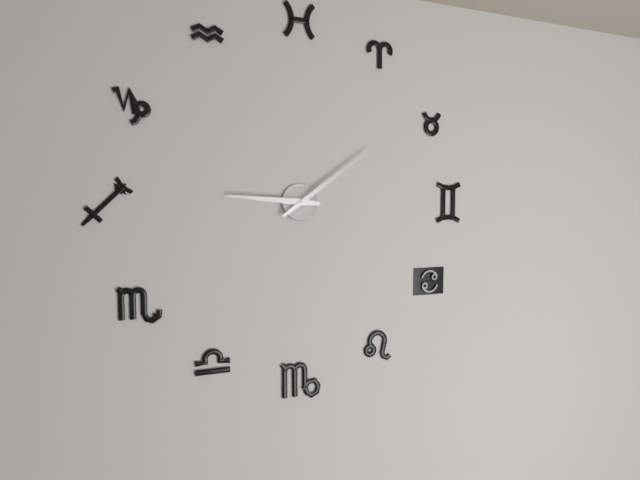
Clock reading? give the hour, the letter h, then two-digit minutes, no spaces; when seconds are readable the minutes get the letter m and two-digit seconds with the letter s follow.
9h09
